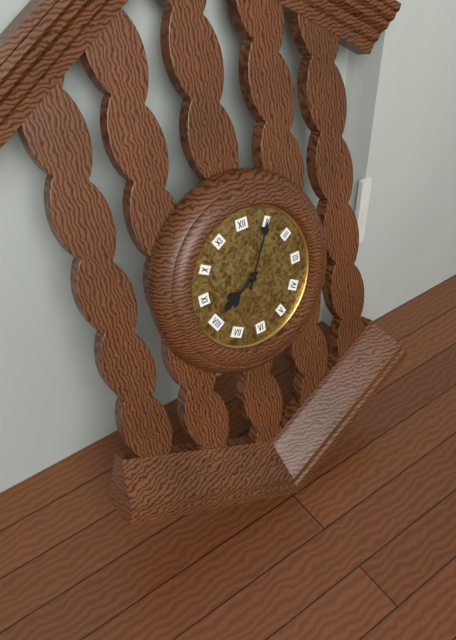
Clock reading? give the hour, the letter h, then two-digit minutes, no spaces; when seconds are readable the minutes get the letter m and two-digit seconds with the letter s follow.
8h05
